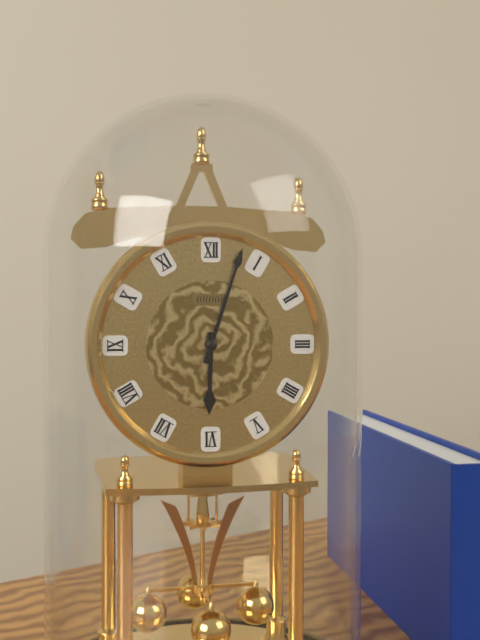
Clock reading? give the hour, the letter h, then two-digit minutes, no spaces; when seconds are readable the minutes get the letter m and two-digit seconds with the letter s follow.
6h03
